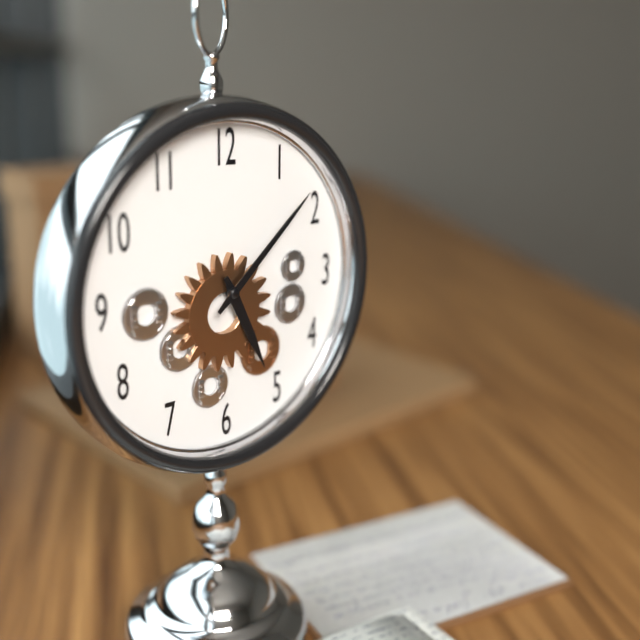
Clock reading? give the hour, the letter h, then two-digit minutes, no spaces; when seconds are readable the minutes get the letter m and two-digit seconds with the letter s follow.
5h08
